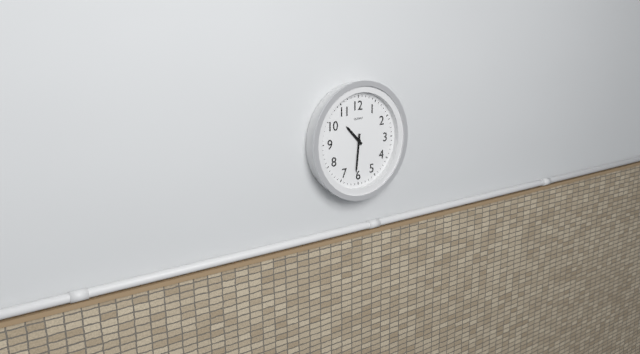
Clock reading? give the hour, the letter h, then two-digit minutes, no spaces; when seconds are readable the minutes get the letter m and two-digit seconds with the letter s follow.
10h31
